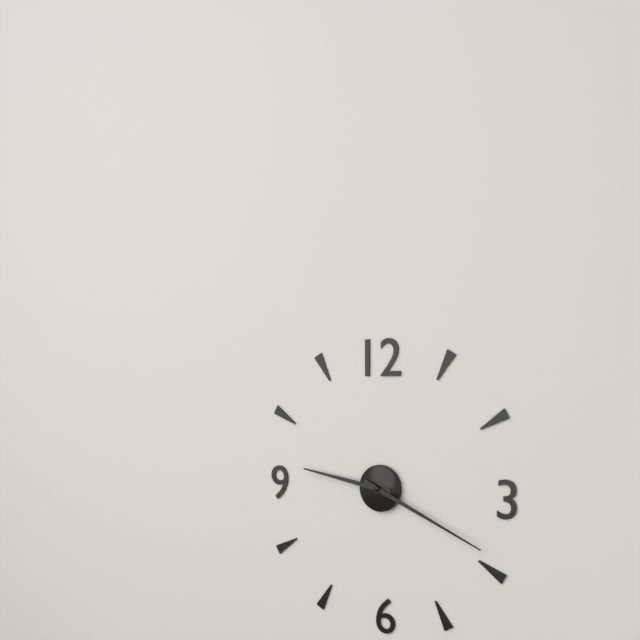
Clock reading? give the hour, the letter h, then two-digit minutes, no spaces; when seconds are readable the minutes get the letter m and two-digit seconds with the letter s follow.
9h19
